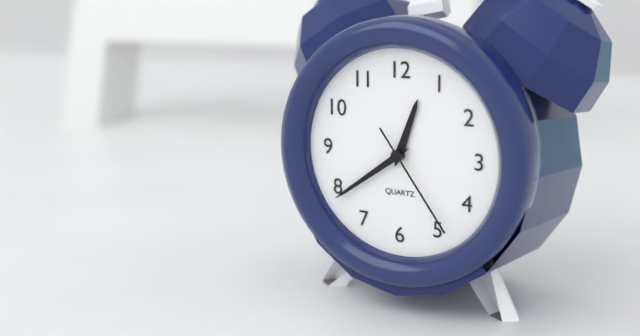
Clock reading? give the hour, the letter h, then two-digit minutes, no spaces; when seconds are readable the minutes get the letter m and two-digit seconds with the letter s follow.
12h39m24s
